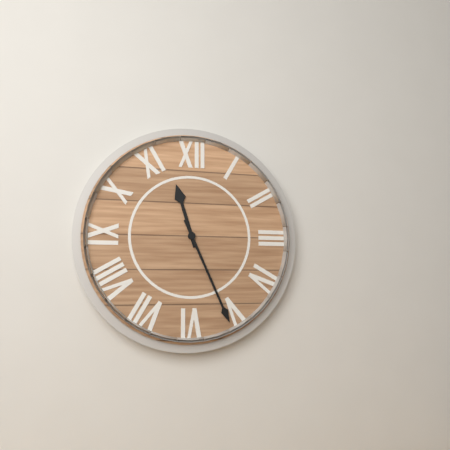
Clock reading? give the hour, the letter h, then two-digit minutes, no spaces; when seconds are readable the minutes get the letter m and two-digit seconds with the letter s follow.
11h26
